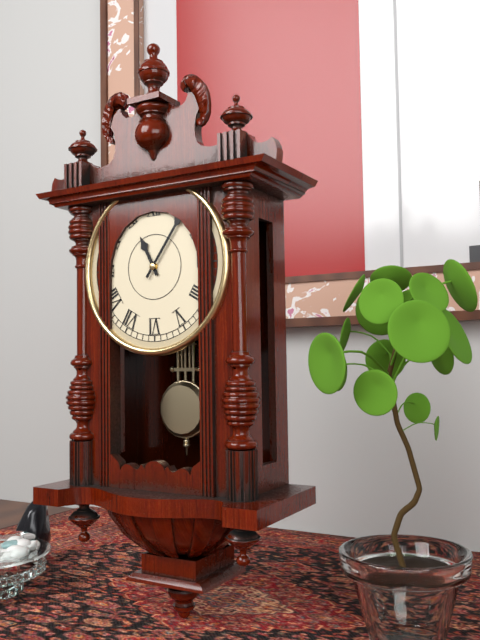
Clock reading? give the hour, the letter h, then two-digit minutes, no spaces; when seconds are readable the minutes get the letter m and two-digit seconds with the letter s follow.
11h06
